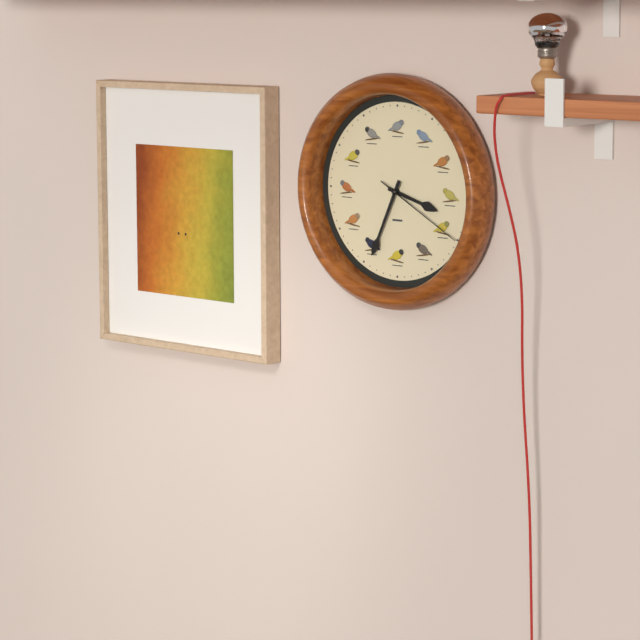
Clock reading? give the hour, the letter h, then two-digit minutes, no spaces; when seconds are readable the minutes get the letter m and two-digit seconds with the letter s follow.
3h34m20s
